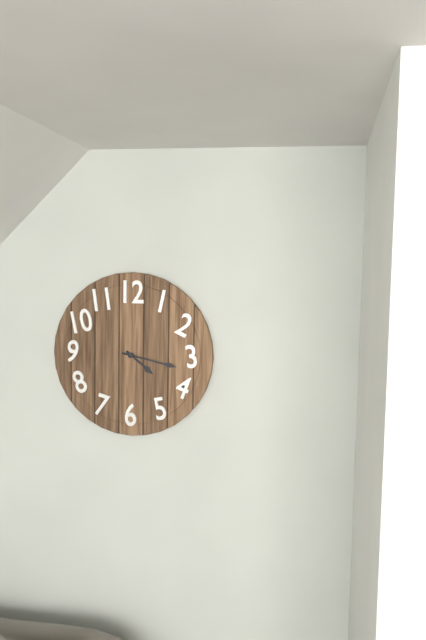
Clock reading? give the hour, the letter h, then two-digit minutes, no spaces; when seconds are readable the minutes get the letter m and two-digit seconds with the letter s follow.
4h17
